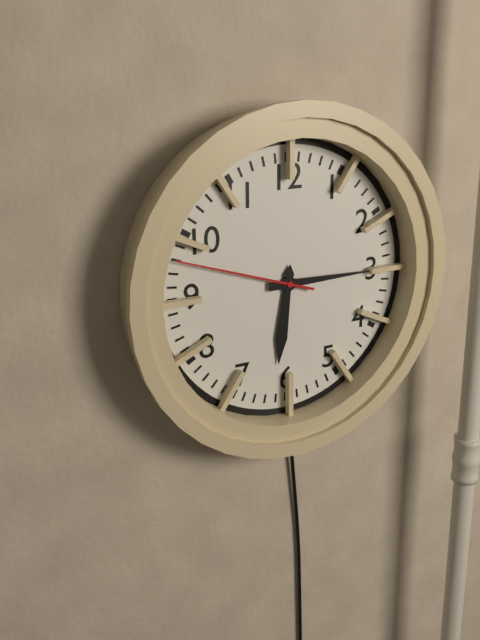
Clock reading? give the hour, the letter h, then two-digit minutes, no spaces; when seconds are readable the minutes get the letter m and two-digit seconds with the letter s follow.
6h15m48s
